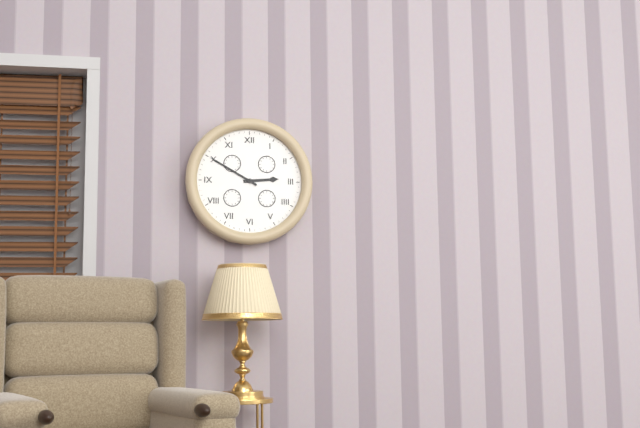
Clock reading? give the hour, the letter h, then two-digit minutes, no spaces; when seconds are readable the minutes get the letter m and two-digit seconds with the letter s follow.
2h50
